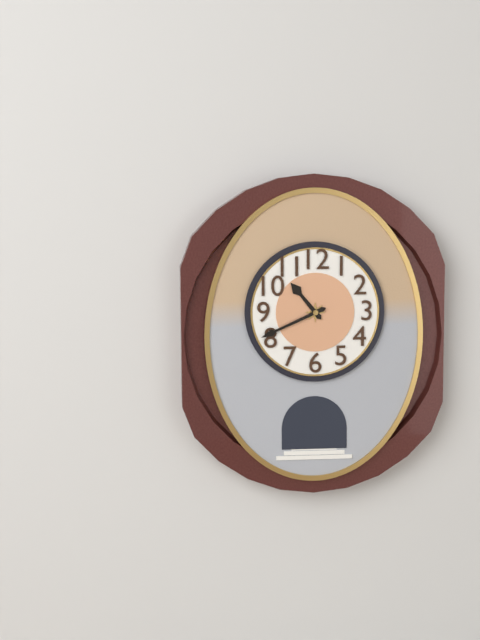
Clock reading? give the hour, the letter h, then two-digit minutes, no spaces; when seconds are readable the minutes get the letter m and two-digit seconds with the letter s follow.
10h41
